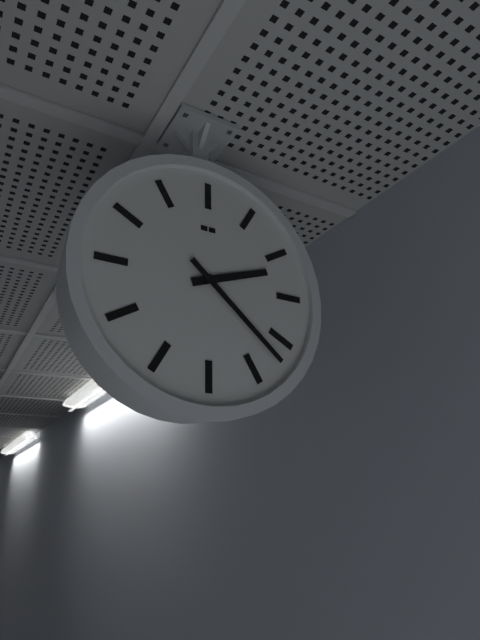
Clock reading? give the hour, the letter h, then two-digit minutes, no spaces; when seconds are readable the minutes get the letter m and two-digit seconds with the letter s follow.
2h22
